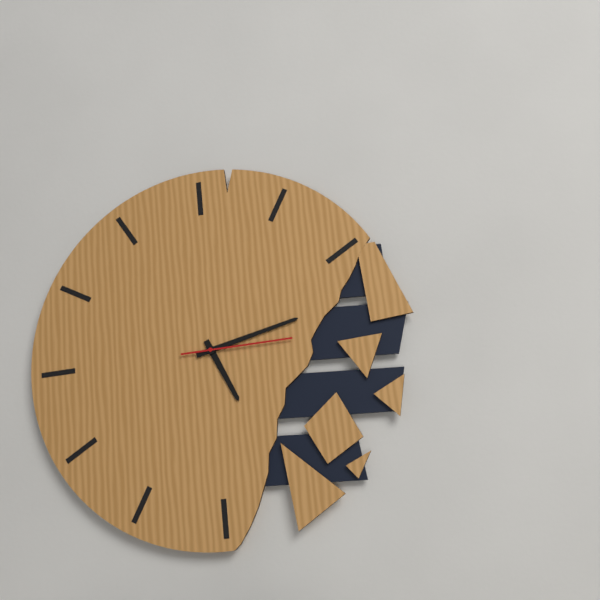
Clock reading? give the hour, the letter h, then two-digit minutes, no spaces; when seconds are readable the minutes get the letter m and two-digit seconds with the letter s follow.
5h13m15s
